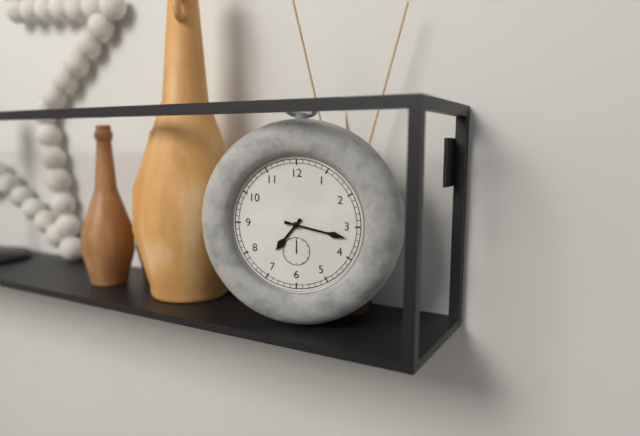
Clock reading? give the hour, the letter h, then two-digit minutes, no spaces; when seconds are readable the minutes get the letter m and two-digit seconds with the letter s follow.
7h17
